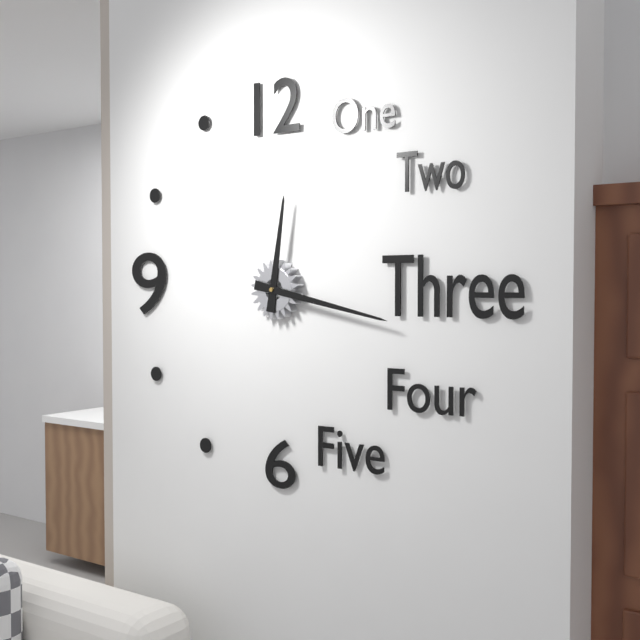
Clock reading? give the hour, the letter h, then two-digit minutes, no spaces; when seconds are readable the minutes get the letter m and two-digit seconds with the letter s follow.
12h17
